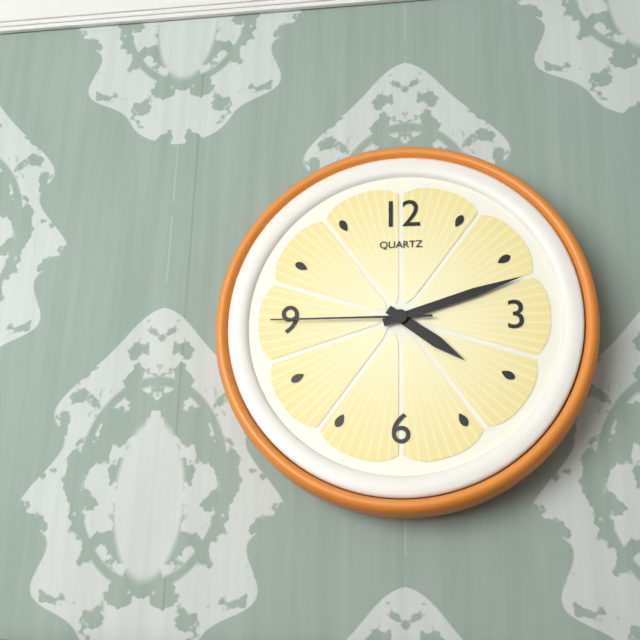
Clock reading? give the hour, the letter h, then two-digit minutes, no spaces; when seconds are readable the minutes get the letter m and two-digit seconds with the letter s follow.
4h12m45s
